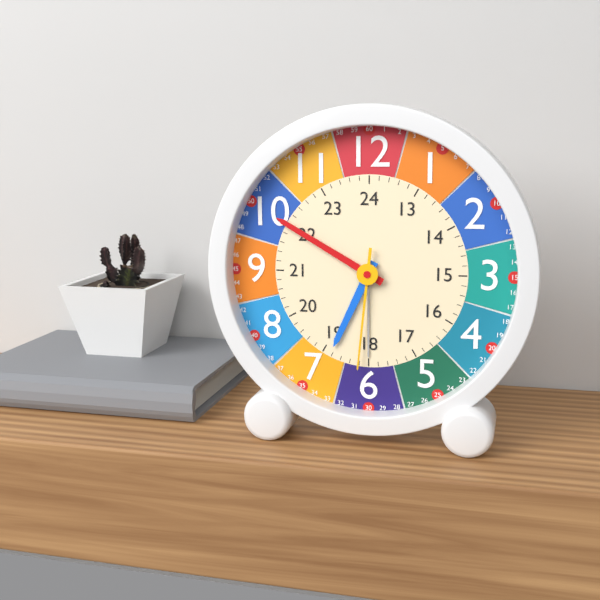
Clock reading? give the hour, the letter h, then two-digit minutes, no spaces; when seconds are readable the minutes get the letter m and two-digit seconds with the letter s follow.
6h50m31s
